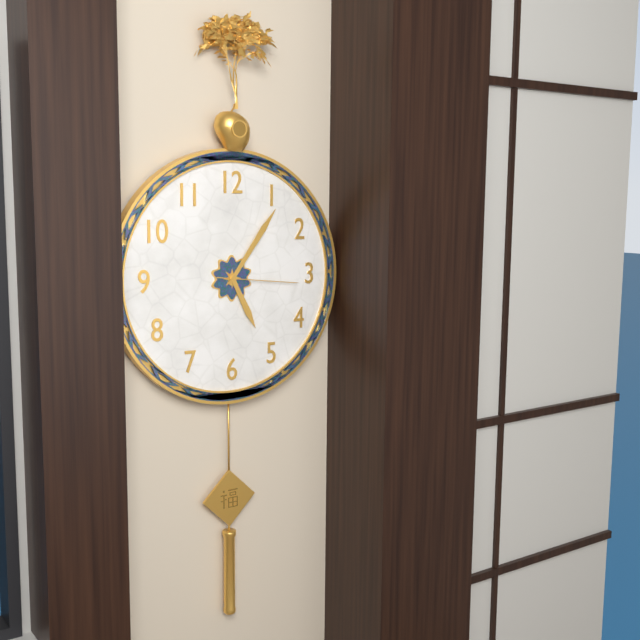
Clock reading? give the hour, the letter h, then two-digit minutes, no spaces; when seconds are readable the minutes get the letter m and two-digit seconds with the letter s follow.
5h06m16s
